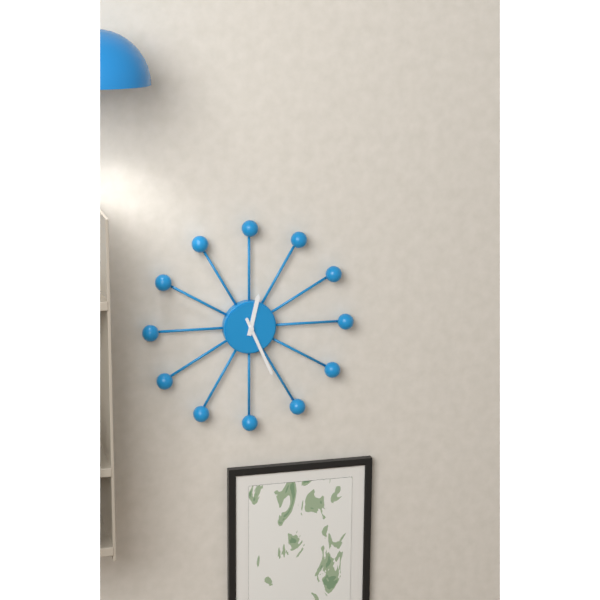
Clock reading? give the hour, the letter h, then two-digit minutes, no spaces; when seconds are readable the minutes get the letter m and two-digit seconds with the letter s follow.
12h26
